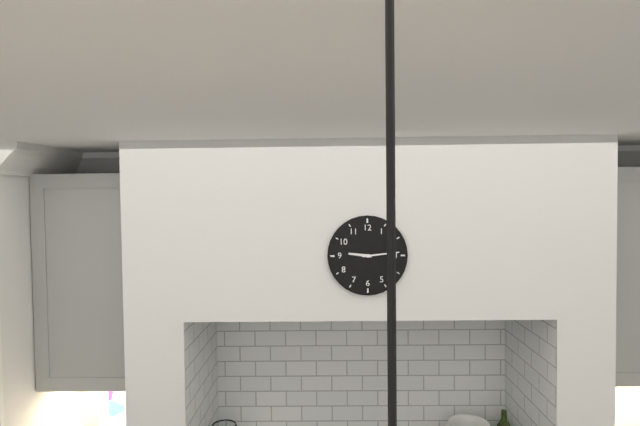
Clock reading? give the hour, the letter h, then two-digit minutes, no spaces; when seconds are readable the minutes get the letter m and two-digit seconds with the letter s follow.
9h14
